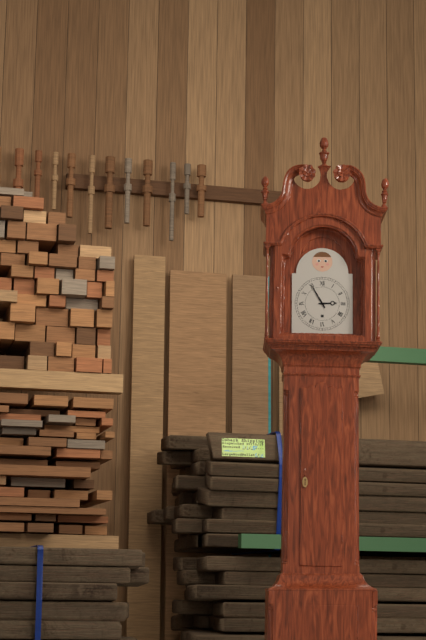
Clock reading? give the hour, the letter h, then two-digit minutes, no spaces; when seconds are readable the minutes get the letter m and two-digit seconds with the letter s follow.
2h55
